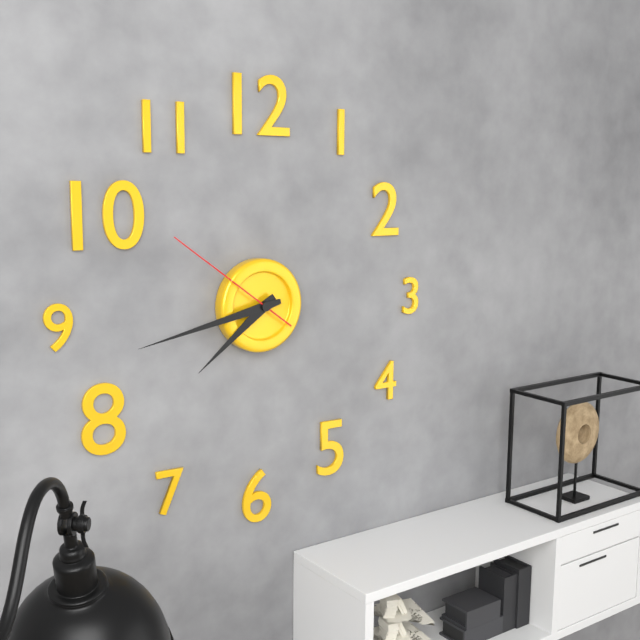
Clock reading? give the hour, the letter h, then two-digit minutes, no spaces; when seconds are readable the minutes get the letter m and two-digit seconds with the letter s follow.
7h43m51s
